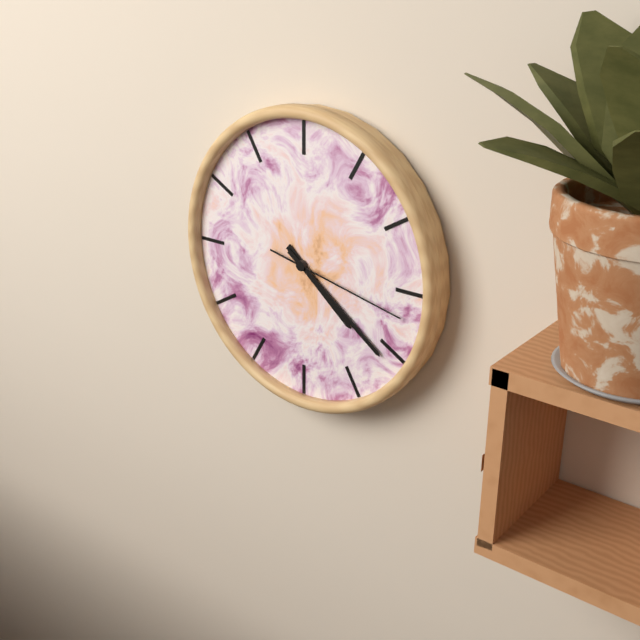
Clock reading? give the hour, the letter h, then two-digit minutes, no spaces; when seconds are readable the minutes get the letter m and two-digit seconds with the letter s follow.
4h21m17s
